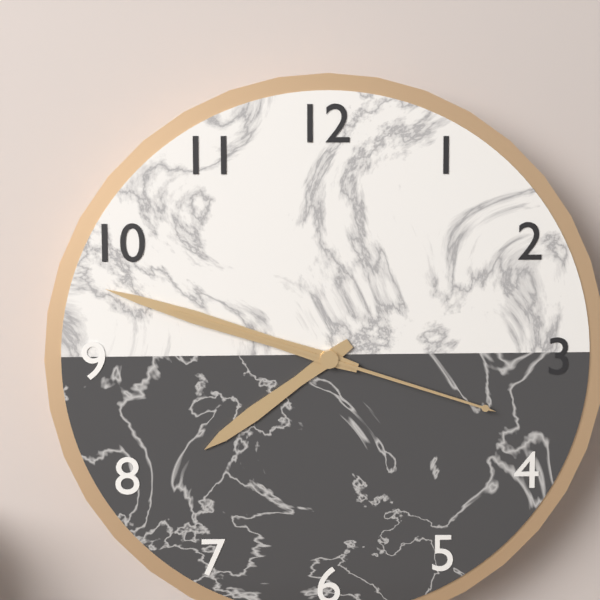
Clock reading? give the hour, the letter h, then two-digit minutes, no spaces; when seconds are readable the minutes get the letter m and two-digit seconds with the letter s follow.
7h48m18s
